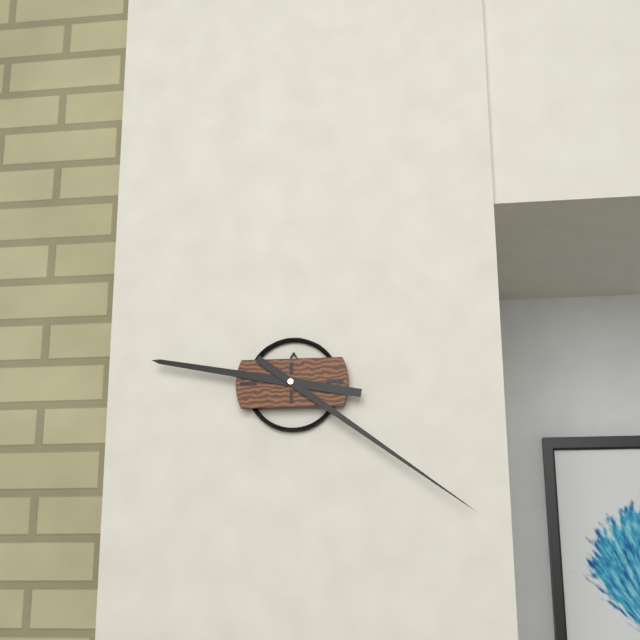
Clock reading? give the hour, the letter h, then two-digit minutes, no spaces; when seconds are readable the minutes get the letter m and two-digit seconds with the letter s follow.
9h21
